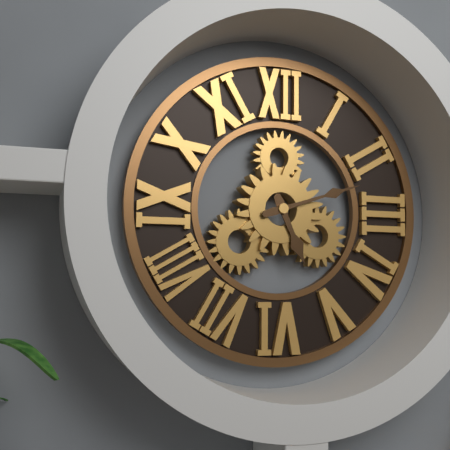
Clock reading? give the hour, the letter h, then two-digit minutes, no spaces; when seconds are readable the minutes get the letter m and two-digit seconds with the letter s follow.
5h12
